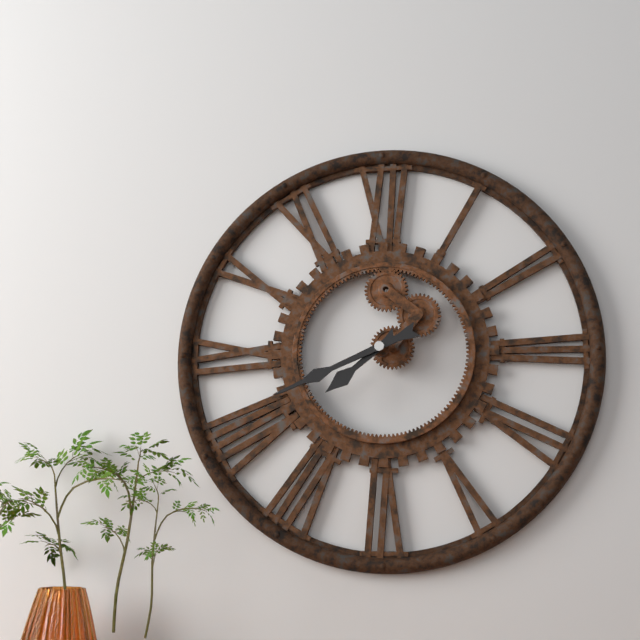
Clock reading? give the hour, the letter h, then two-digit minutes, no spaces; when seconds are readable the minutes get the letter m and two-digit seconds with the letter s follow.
7h41
